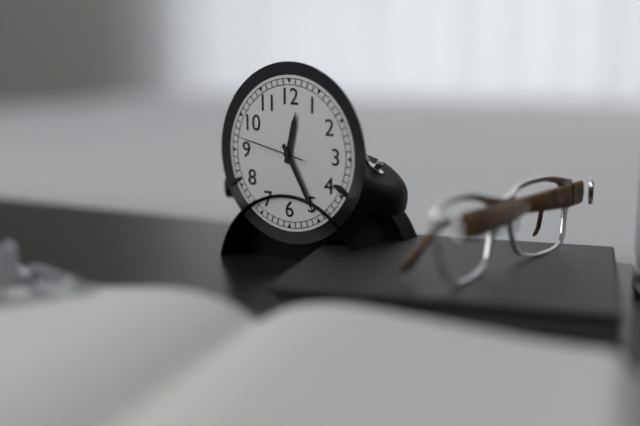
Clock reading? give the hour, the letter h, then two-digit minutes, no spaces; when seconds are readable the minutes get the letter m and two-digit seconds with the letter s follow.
12h25m47s
